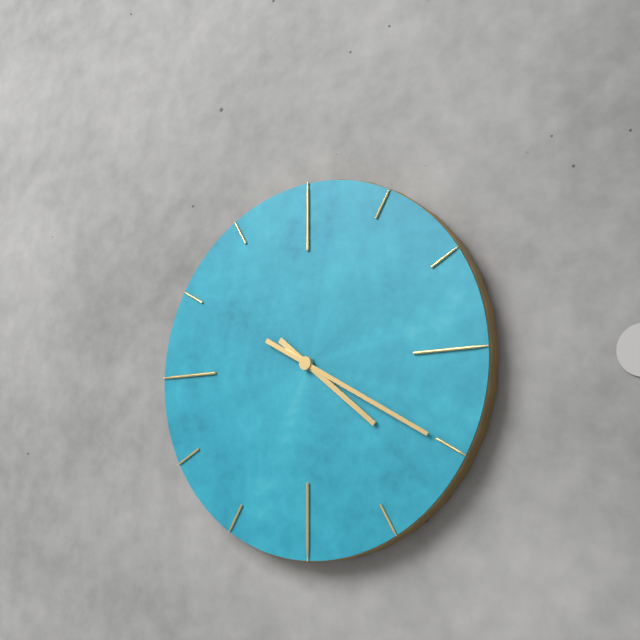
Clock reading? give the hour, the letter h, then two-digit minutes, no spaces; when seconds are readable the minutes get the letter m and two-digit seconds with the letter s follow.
4h20
